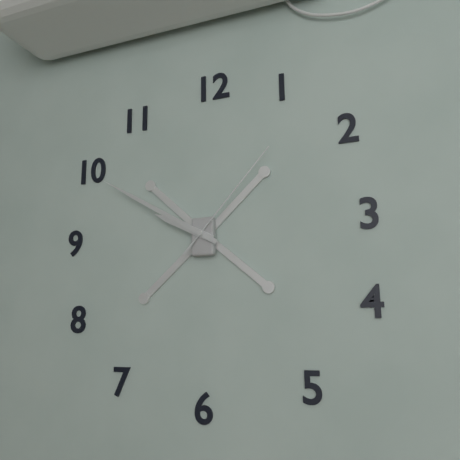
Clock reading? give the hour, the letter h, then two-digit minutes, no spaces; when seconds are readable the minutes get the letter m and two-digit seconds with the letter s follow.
9h50m07s
